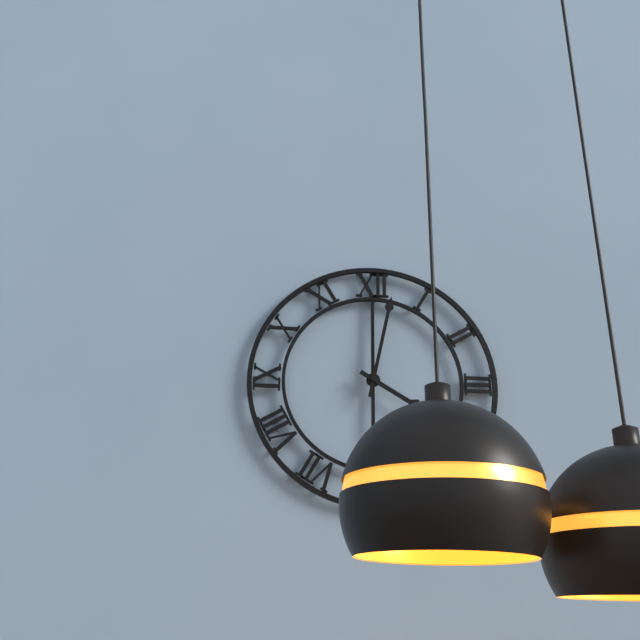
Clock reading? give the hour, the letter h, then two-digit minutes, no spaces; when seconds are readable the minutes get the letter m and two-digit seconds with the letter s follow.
4h02
